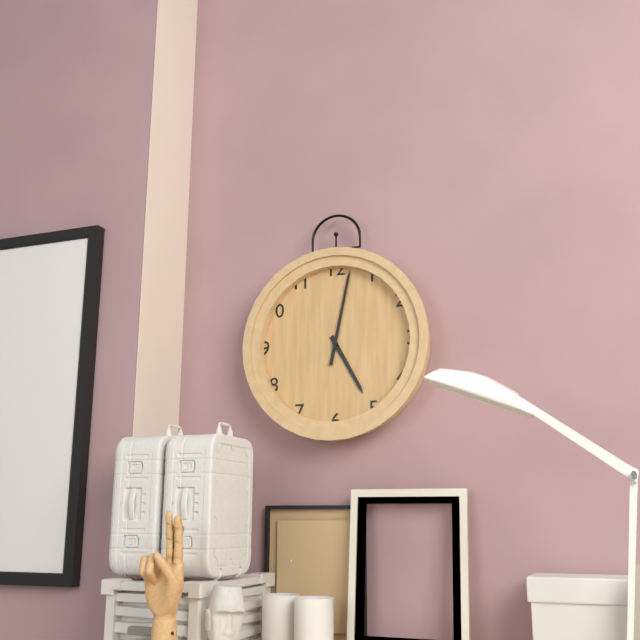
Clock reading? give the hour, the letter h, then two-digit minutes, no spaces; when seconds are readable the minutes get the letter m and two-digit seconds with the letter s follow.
5h02
